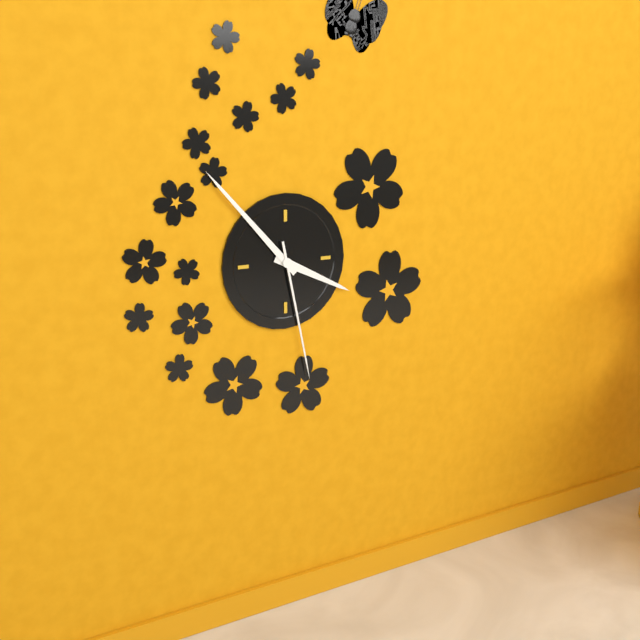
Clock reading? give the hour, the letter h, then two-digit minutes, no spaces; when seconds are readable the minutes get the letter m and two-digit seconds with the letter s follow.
3h53m28s
